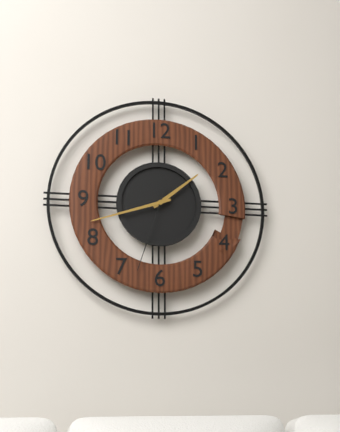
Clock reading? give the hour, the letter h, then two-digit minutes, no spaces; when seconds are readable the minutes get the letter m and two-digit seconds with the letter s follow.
1h42m33s
